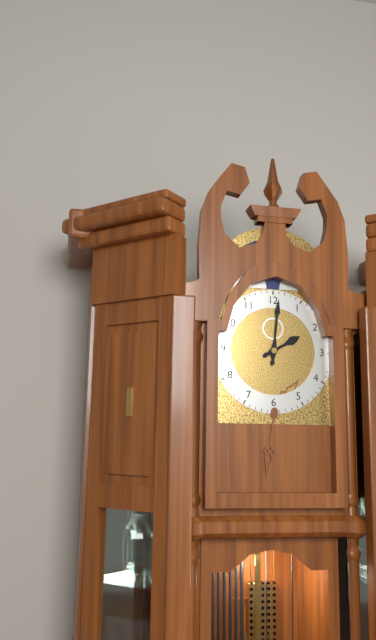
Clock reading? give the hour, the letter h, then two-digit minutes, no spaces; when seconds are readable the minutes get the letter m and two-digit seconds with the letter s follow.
2h01
